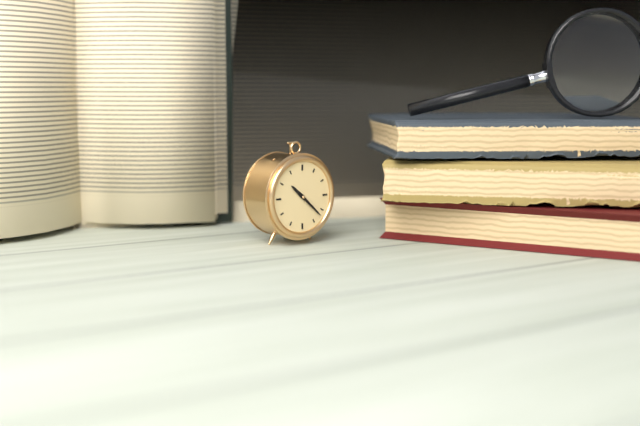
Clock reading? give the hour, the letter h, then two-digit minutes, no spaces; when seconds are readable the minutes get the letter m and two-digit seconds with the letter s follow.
10h22
